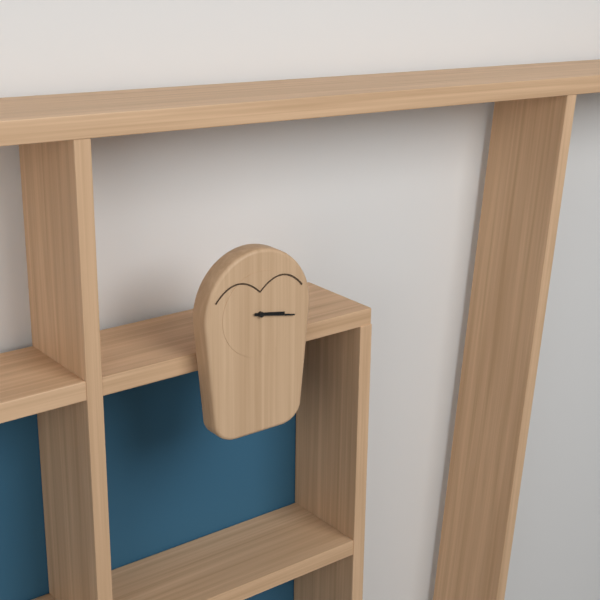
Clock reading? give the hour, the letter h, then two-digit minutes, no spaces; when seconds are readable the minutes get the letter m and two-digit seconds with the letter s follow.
3h17
